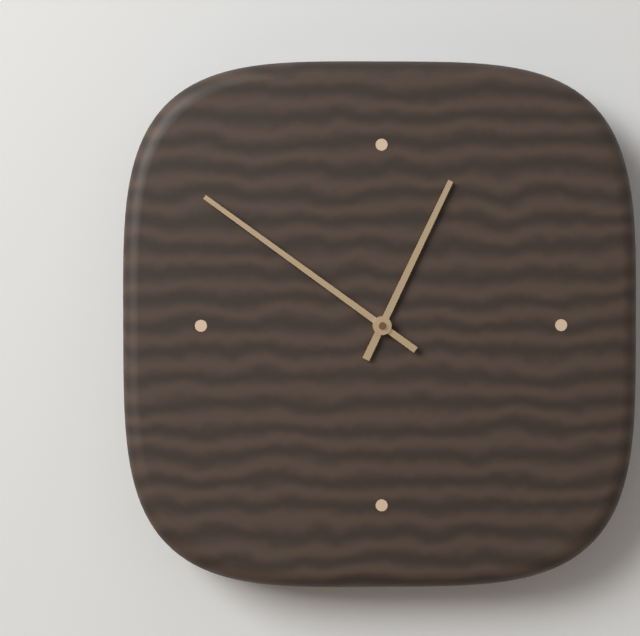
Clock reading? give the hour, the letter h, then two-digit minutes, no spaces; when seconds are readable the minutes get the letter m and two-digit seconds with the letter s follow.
12h51
